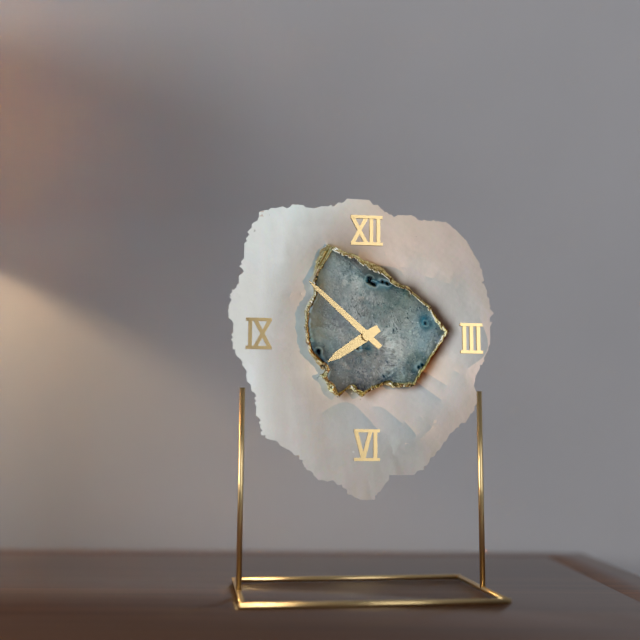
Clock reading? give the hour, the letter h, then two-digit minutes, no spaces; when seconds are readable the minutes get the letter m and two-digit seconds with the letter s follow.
7h52
